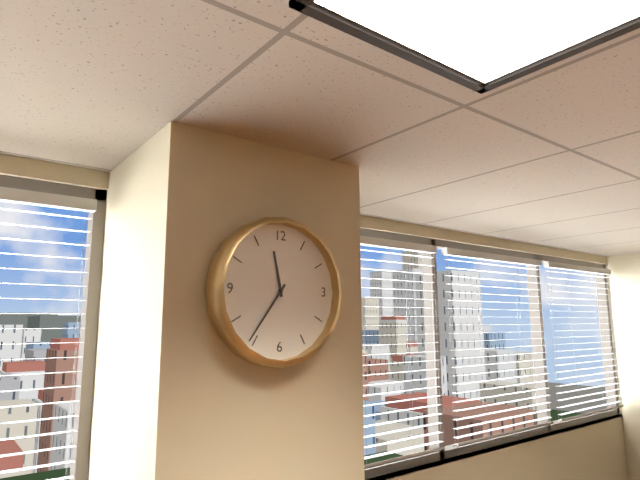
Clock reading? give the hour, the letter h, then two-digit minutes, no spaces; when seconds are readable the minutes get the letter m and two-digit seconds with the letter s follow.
11h36
